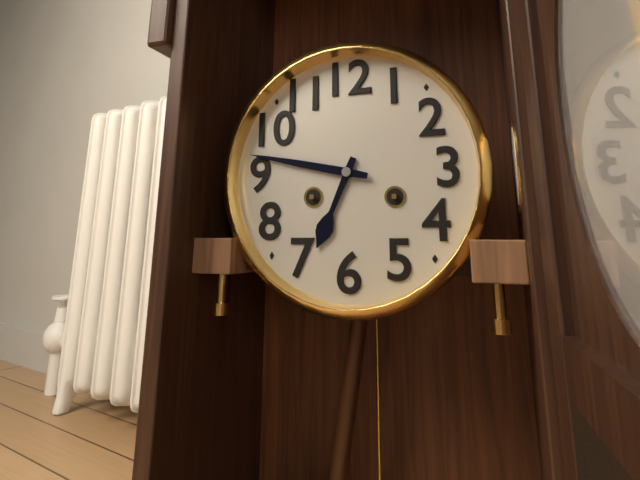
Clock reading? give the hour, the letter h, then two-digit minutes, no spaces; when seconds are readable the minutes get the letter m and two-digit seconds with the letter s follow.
6h47
